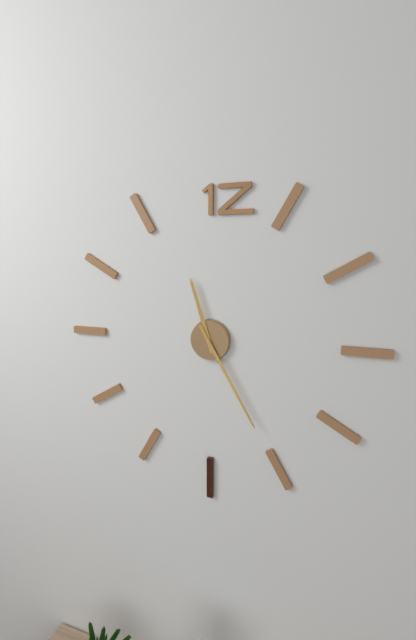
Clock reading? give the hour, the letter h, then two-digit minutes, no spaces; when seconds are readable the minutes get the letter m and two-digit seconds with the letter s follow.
11h25
